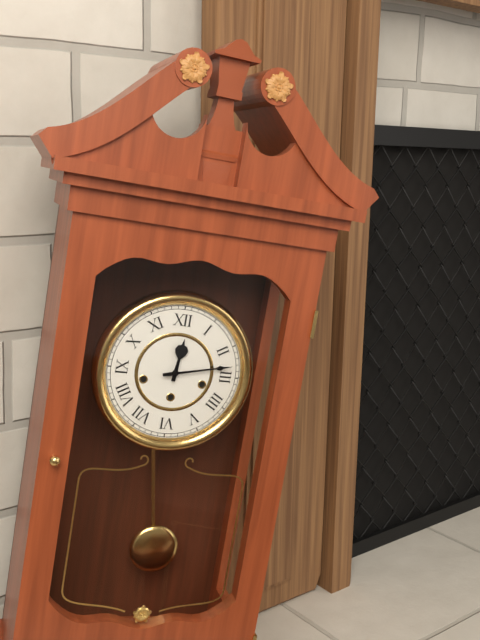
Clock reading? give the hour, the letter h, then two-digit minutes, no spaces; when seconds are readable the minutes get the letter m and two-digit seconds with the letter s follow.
12h13
